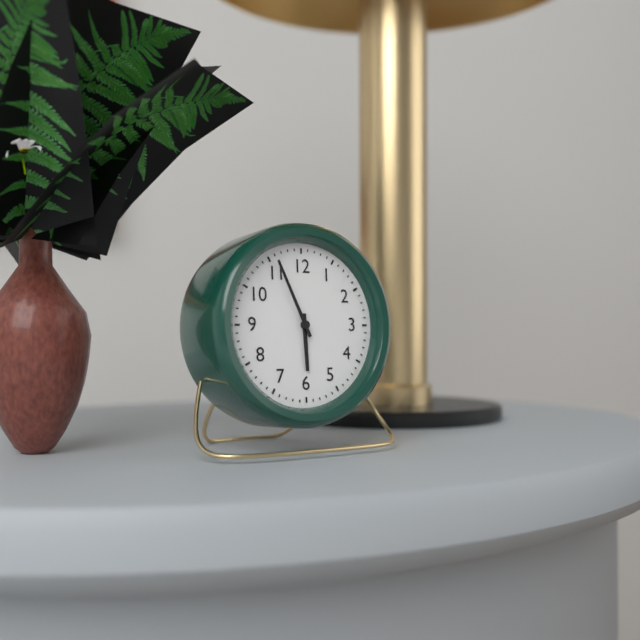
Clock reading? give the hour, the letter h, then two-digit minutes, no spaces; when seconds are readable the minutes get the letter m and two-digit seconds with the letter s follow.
5h56
